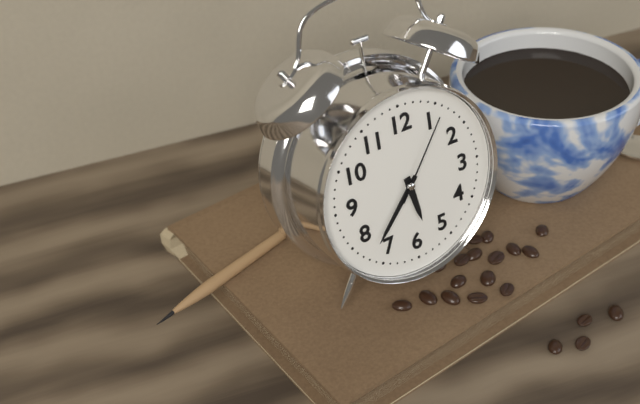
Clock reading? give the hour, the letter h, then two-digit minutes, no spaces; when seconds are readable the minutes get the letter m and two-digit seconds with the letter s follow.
5h37m06s
